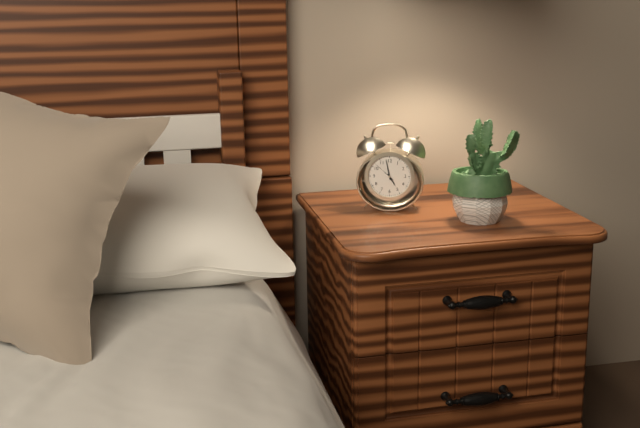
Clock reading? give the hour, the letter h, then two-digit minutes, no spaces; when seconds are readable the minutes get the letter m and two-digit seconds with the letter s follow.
4h58
